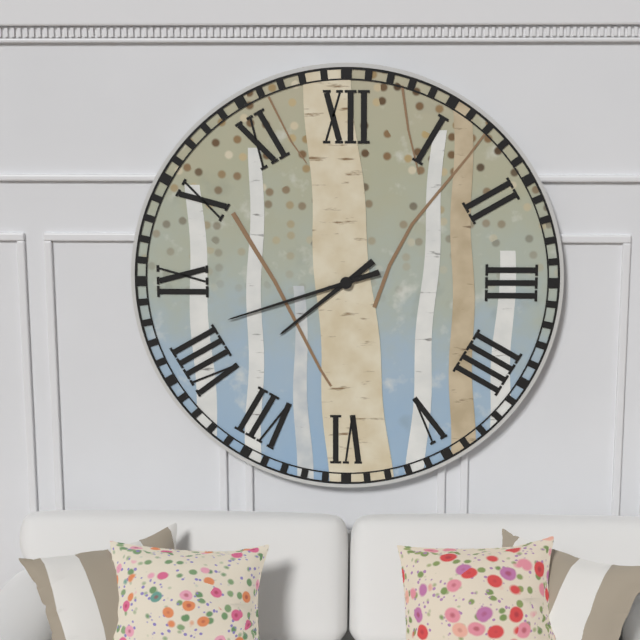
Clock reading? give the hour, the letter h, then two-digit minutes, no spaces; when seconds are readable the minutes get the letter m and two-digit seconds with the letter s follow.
7h42
